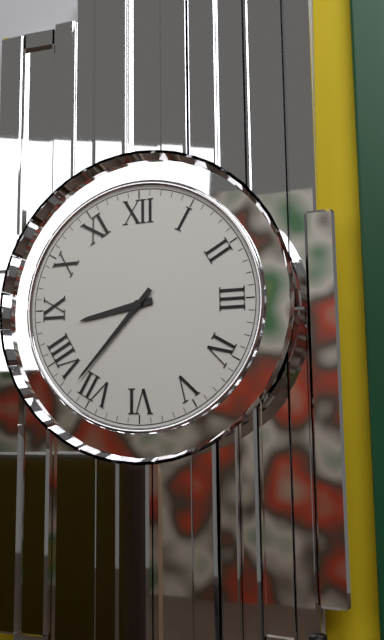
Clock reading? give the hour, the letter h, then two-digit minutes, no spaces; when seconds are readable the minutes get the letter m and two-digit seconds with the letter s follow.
8h37
